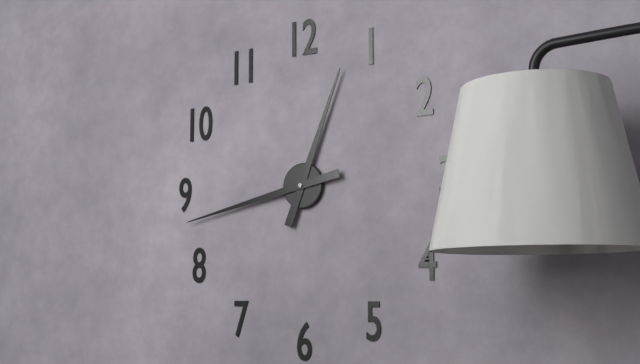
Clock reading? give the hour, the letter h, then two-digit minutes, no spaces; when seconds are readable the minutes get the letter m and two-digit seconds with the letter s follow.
12h43
